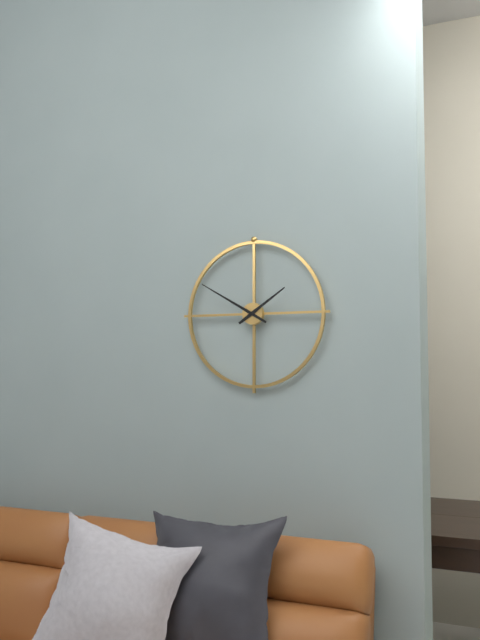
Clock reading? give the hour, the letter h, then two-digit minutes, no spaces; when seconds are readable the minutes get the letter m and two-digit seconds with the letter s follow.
1h50
